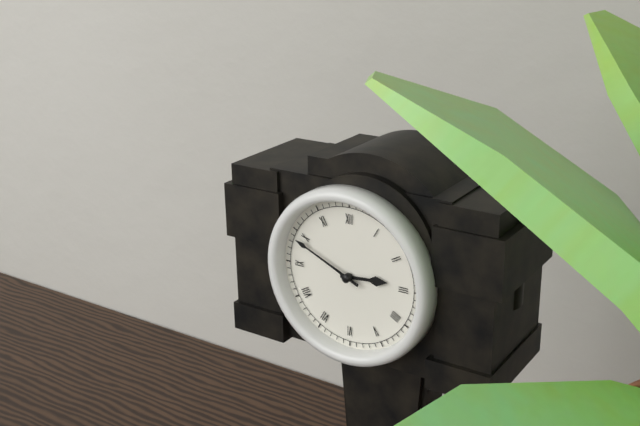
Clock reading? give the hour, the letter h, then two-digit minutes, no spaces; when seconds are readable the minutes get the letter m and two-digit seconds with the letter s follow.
2h49
